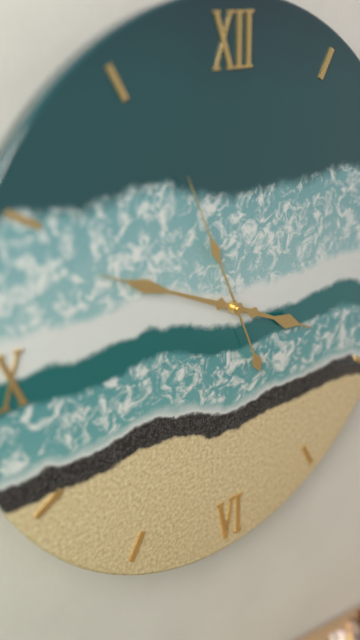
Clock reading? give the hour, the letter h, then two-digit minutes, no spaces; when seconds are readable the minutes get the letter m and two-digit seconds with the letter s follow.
3h49m56s
